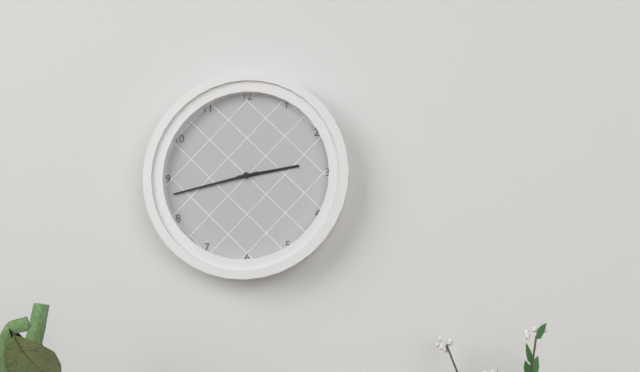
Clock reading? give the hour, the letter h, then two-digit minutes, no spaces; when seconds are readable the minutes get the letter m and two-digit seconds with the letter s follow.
2h43
